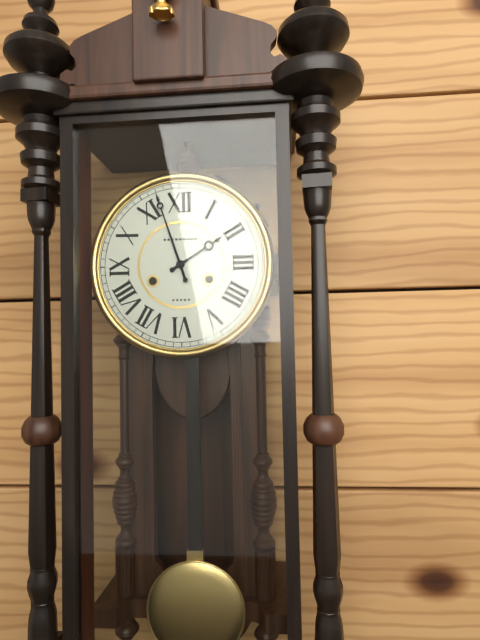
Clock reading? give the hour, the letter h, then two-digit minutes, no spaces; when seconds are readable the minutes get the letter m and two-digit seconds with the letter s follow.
1h57
